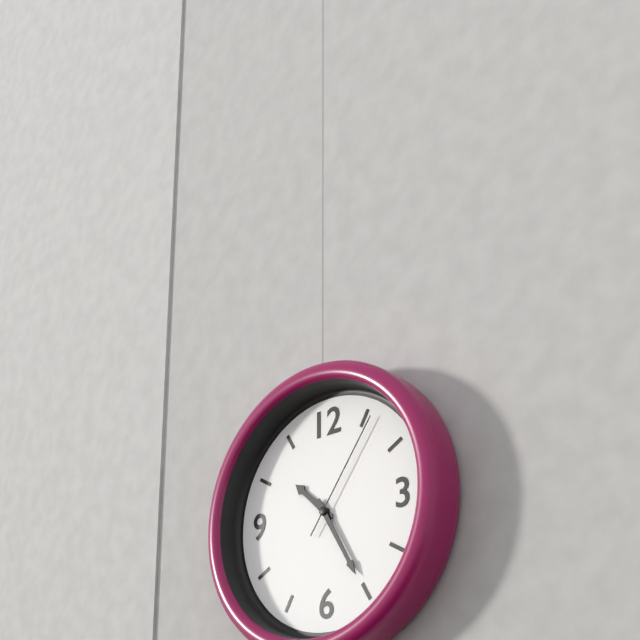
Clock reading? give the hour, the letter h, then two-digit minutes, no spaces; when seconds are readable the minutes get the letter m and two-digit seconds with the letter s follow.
10h25m06s
